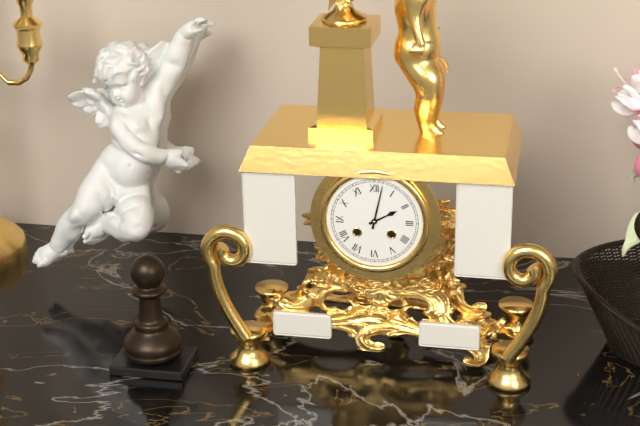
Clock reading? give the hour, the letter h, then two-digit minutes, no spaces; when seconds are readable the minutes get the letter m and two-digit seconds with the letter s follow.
2h02
